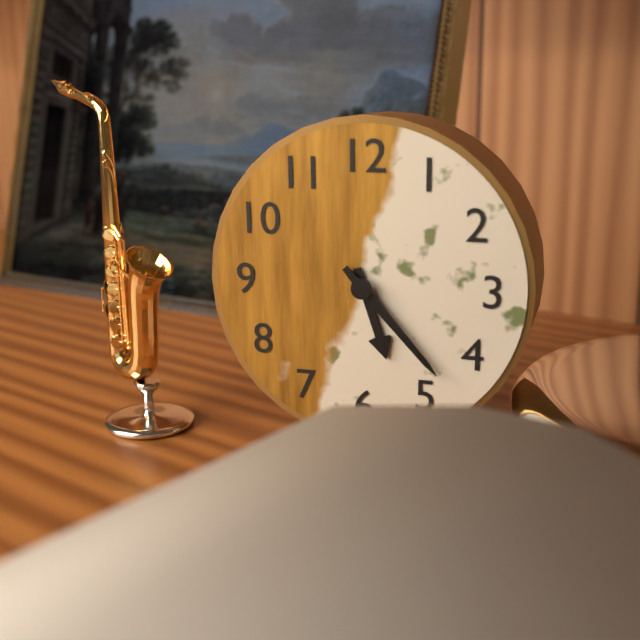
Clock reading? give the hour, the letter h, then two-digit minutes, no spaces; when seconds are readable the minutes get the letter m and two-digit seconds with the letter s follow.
5h23
